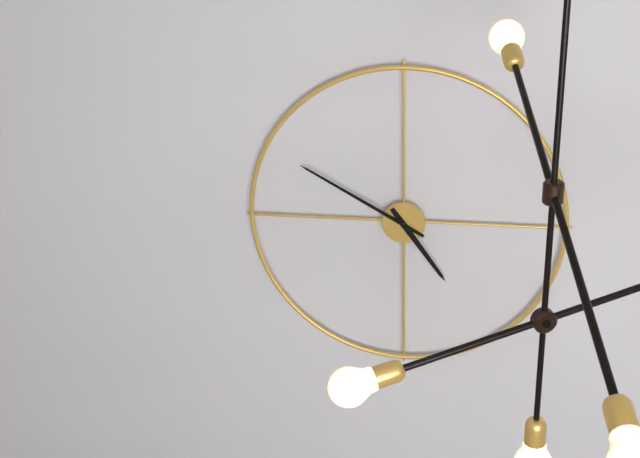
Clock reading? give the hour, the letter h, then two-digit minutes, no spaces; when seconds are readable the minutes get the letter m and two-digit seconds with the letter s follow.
4h50
